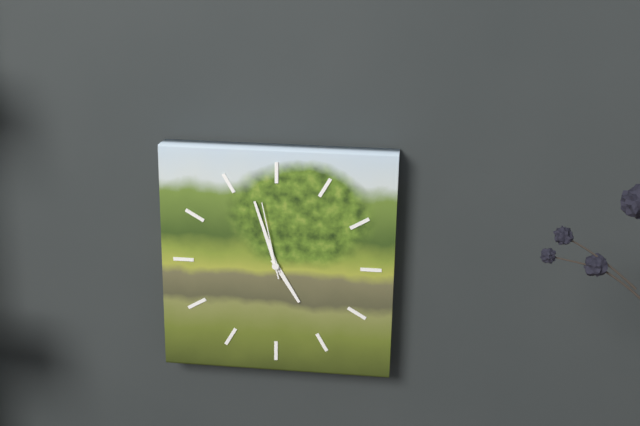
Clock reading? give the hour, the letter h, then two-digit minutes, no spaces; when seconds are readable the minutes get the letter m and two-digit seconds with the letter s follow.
4h57m58s
